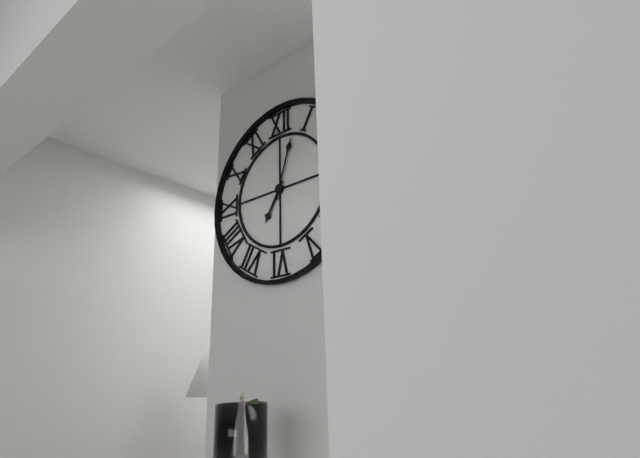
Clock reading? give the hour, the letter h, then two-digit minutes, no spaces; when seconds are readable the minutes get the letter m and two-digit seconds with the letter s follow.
7h03
